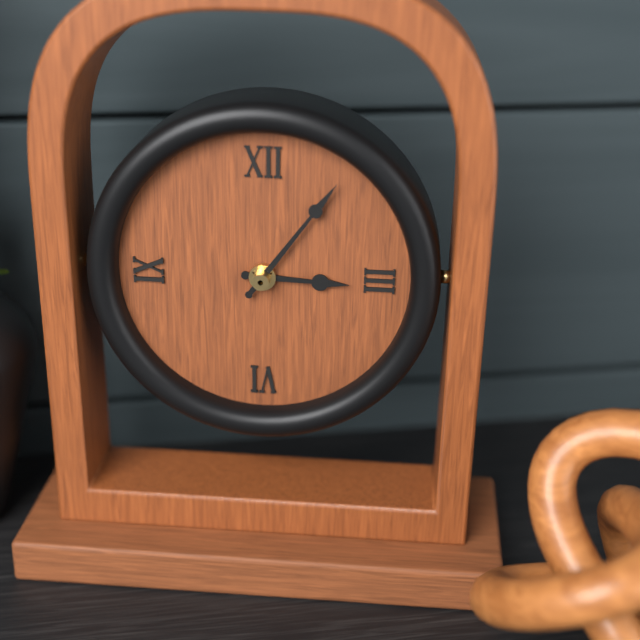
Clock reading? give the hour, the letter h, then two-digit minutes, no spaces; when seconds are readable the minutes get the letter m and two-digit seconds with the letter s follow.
3h06
